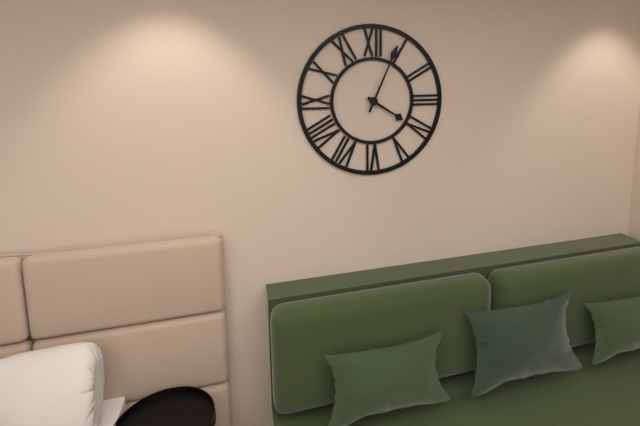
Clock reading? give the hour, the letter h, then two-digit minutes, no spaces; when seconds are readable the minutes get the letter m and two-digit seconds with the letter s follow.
4h04
